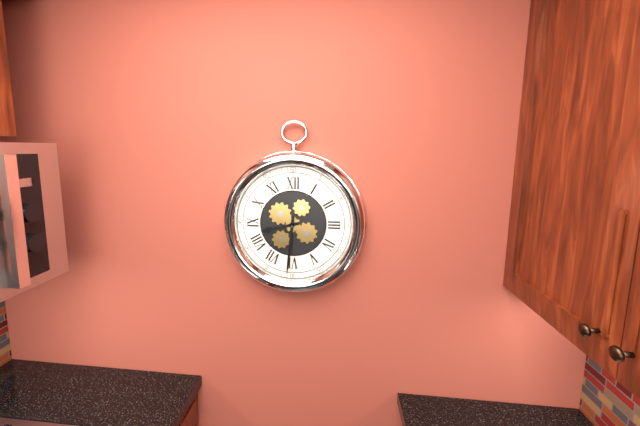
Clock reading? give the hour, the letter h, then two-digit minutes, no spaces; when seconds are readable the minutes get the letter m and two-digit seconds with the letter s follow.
8h31
